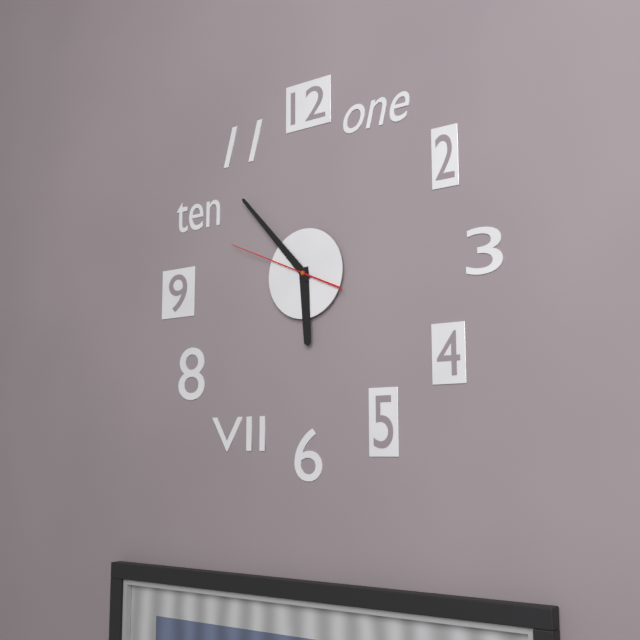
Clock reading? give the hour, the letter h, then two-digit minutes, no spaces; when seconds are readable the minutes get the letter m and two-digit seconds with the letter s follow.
5h53m49s
